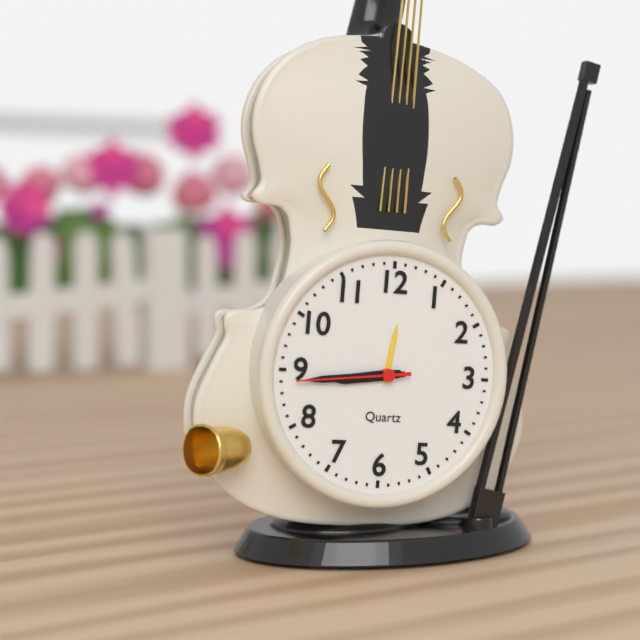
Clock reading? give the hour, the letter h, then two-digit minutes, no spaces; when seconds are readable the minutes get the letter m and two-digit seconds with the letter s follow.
8h44m44s
